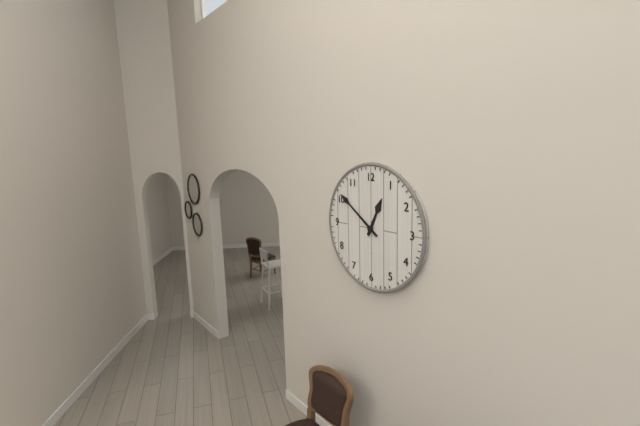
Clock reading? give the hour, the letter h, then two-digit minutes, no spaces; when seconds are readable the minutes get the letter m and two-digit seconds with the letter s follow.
12h51
